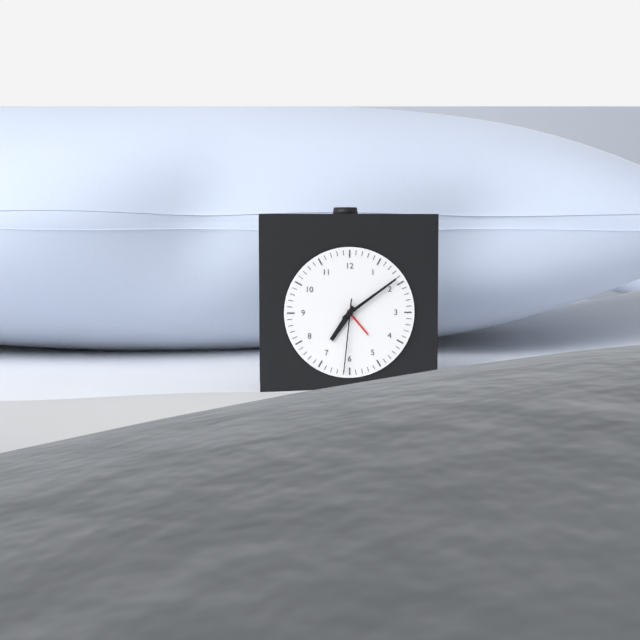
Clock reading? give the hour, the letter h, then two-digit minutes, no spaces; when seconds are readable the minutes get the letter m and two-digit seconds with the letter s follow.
7h09m31s
